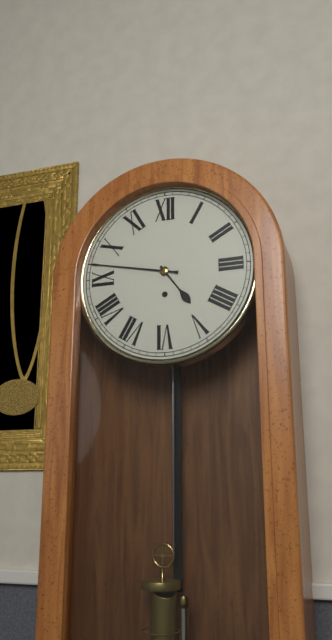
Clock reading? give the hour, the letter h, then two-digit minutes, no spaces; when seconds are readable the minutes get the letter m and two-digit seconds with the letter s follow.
4h47
